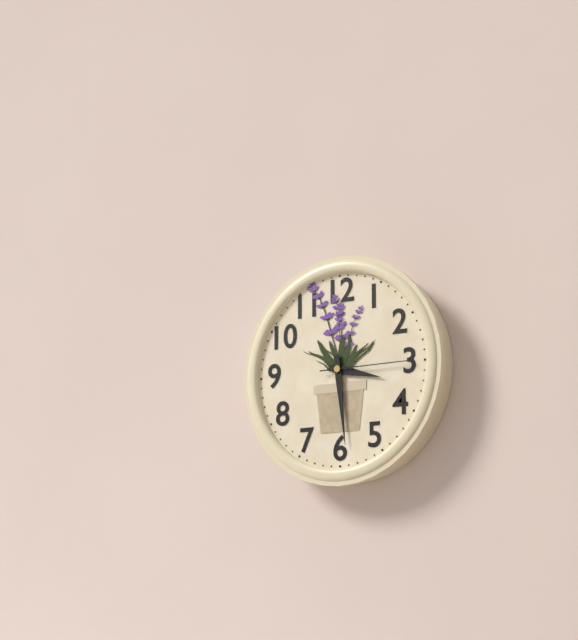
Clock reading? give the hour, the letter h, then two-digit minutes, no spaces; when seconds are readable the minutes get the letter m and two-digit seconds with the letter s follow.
3h29m15s
